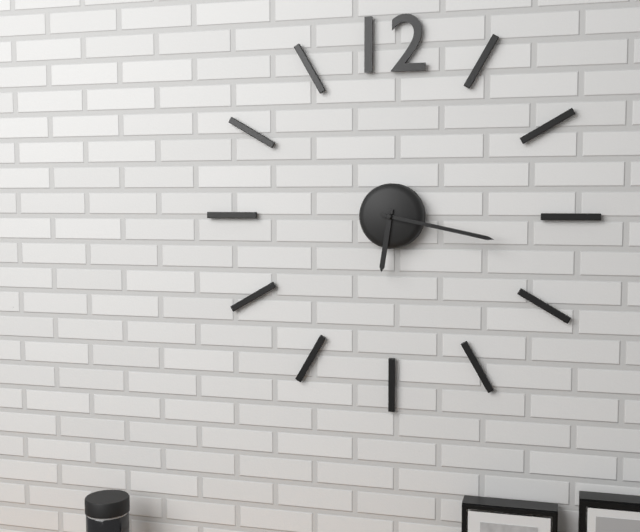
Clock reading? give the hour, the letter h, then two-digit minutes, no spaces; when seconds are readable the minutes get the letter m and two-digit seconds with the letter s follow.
6h17
